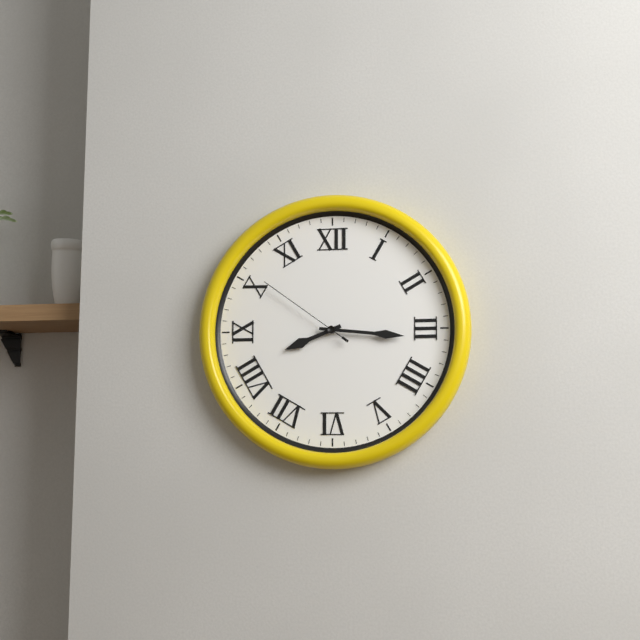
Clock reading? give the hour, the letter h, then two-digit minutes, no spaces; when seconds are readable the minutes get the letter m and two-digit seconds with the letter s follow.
8h16m51s
